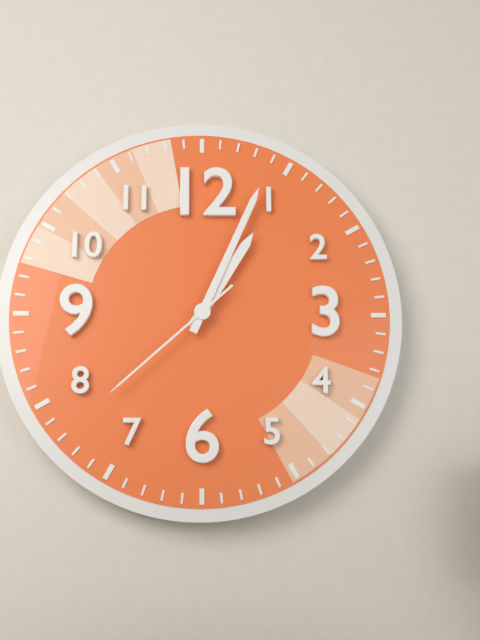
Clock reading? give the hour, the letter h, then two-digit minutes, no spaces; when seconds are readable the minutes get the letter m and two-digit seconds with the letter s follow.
1h04m38s
